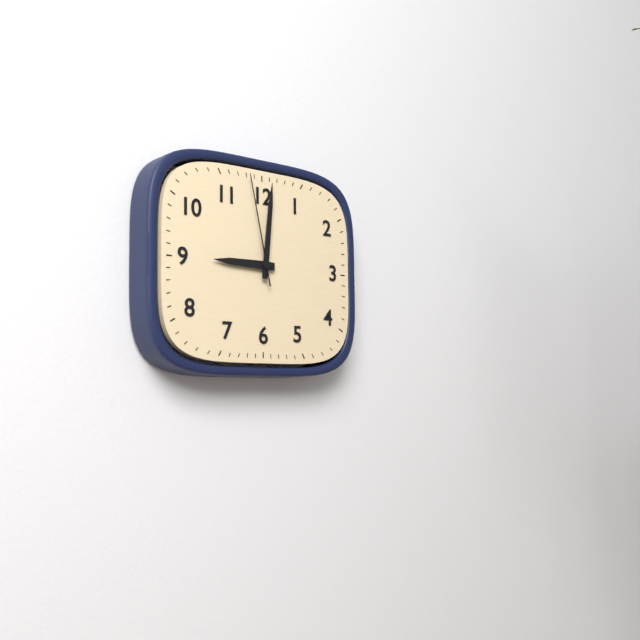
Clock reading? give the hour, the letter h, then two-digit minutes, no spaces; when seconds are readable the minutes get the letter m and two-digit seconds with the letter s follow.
9h01m58s
